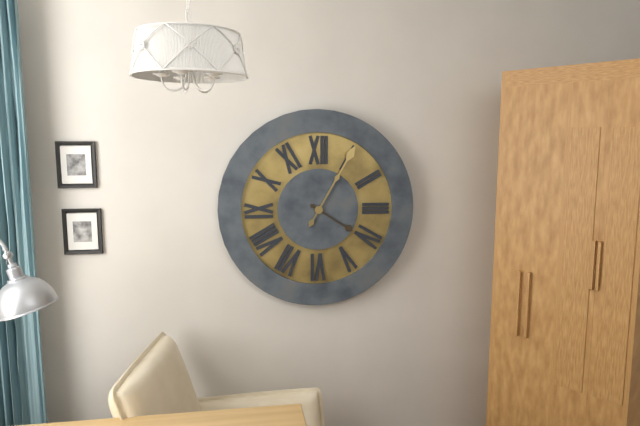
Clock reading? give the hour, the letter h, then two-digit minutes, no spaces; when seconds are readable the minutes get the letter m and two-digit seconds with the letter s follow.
4h05
